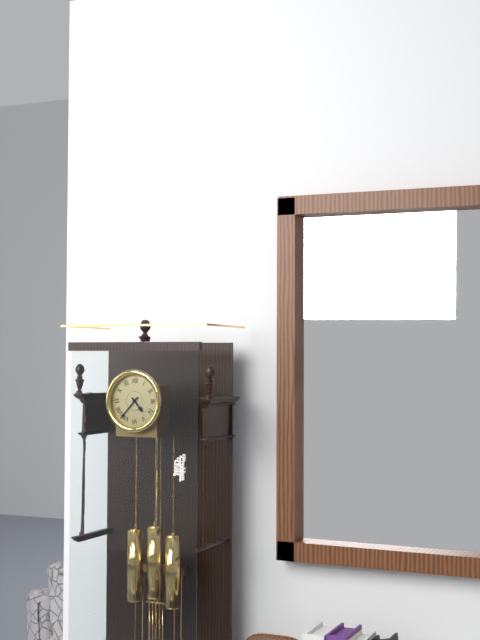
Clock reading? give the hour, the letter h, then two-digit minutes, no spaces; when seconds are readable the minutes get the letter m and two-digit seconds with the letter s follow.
4h37
